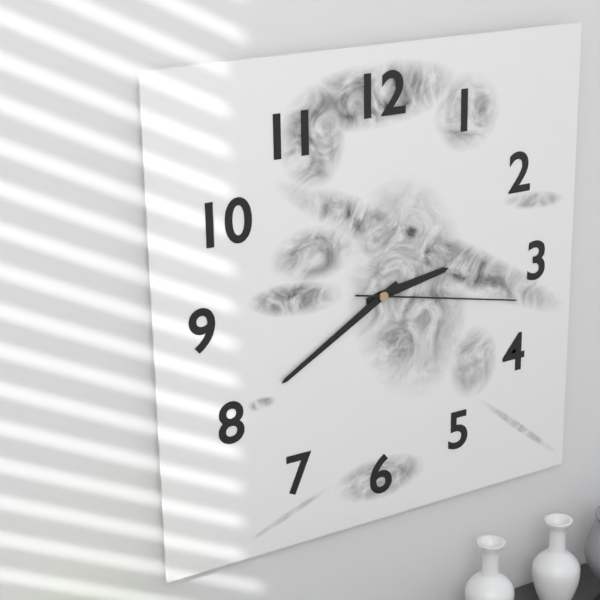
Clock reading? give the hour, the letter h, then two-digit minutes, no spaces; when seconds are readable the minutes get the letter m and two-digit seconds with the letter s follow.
2h40m17s
